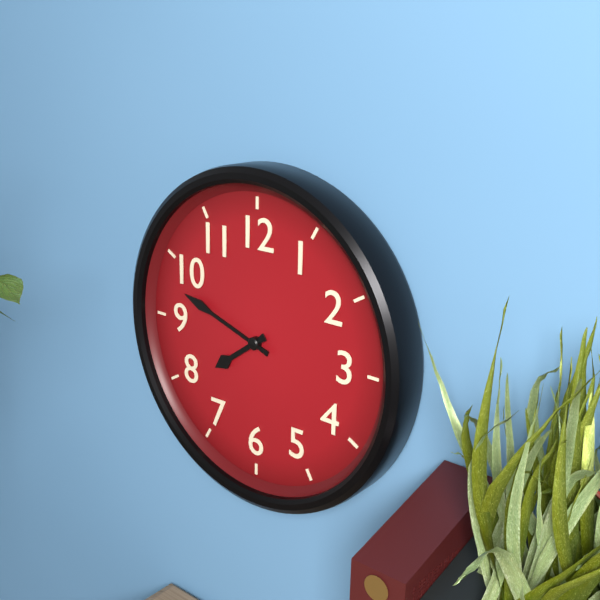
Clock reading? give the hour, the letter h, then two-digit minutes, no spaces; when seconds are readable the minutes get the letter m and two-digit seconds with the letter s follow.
7h48
